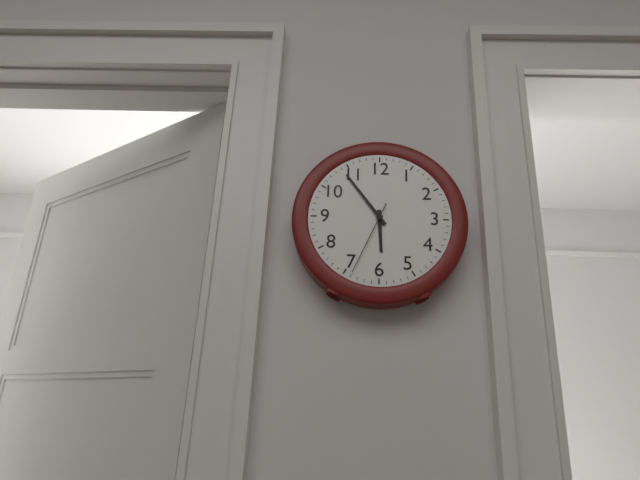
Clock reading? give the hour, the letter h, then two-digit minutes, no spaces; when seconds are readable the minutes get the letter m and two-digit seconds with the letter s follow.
5h54m34s
